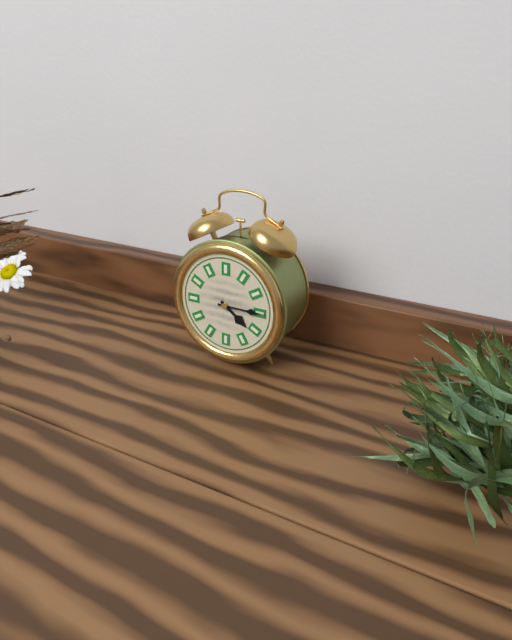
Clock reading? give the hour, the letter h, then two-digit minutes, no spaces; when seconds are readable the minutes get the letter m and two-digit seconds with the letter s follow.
4h15
